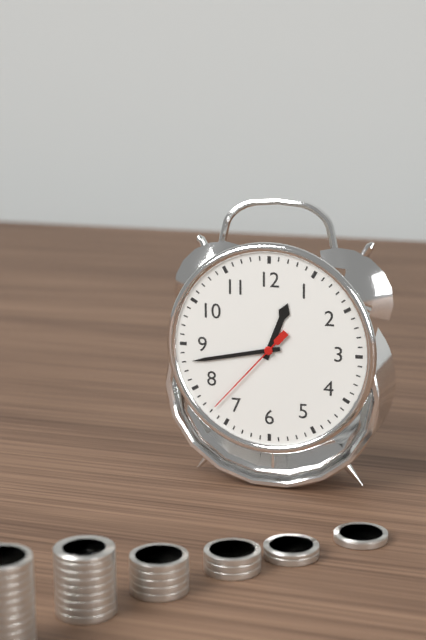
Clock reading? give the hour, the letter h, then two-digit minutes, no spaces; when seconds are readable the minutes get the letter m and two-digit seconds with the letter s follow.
12h43m37s
